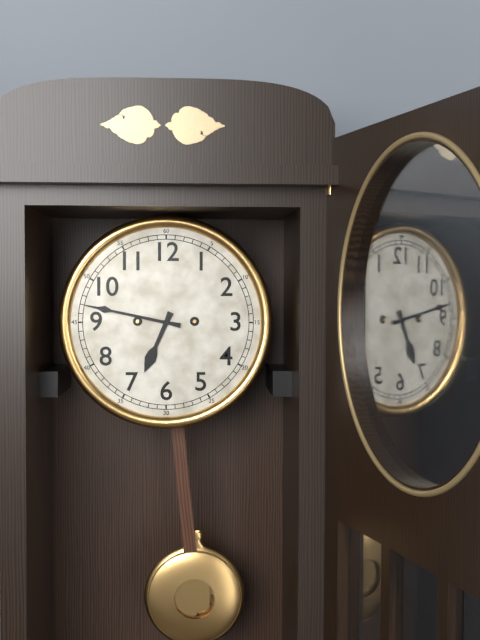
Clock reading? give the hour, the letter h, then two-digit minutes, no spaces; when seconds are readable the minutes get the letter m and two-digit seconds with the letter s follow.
6h47
